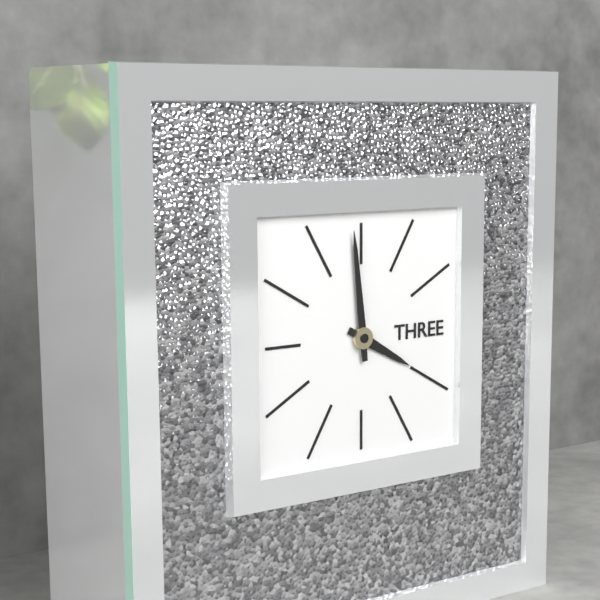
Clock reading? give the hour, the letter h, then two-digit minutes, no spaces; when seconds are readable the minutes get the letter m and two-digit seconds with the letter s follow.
3h59
